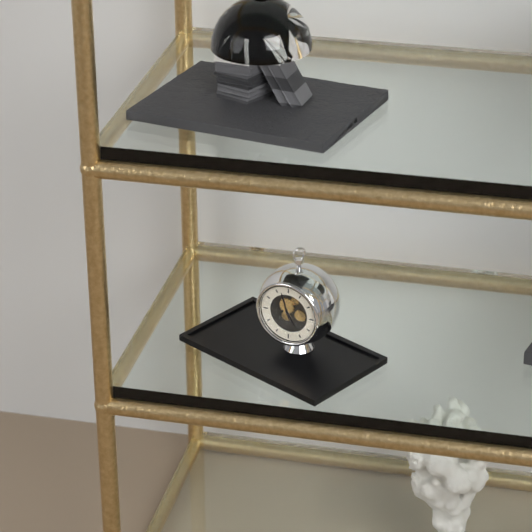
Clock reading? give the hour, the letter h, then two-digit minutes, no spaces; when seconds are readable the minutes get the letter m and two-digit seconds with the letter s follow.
4h57
